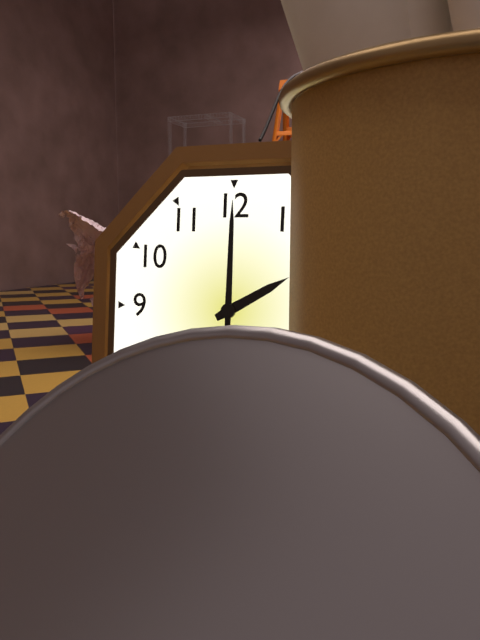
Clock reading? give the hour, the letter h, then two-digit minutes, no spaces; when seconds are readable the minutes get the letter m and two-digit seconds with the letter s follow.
2h00
